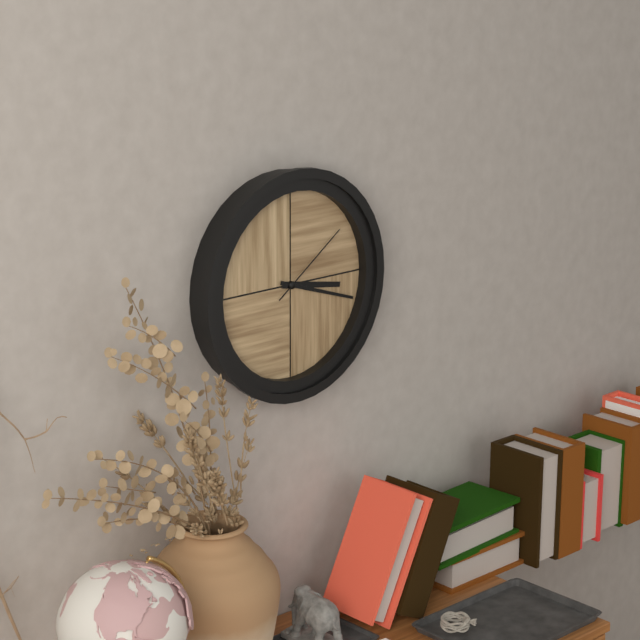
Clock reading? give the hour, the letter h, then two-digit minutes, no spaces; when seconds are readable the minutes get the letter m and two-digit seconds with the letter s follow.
3h18m09s
